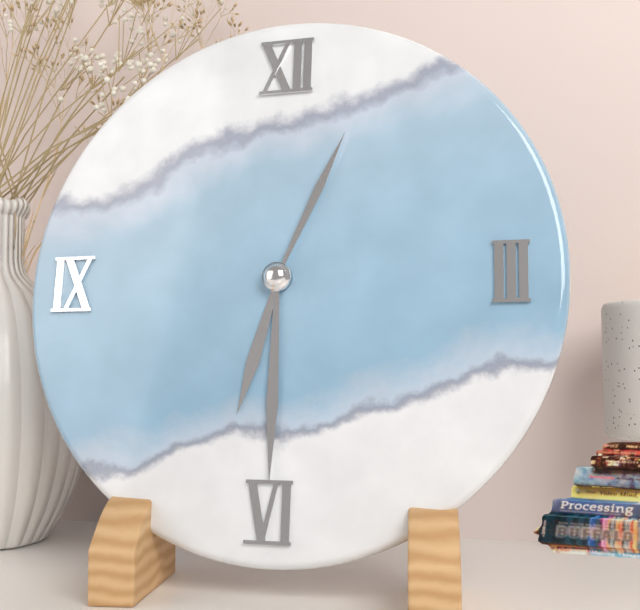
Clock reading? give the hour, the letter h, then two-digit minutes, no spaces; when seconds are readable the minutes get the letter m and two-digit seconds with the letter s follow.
6h30m04s
